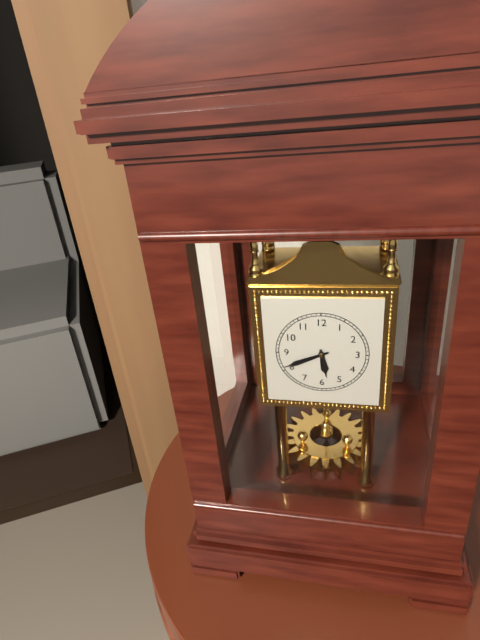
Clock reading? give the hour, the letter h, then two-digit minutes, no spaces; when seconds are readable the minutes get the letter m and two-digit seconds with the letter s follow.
5h41
